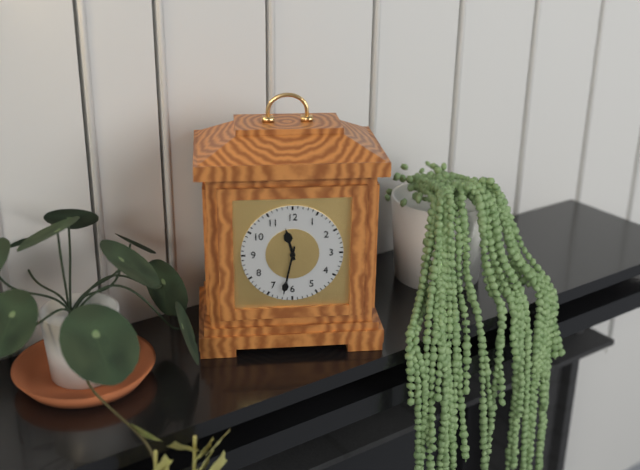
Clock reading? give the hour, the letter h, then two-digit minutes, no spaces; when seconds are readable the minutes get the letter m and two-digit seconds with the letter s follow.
11h32
